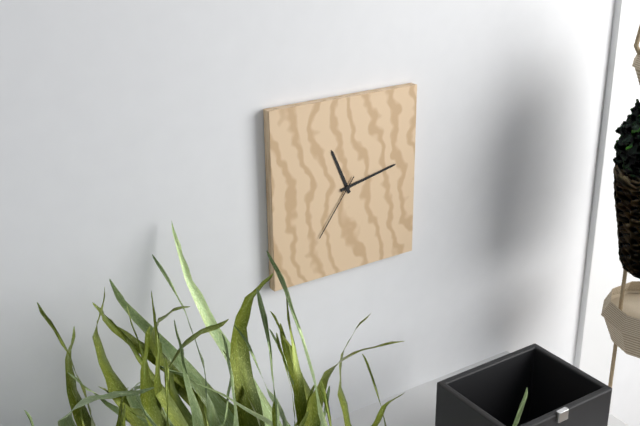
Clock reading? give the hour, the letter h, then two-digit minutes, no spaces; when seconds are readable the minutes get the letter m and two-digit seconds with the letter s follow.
11h13m36s
